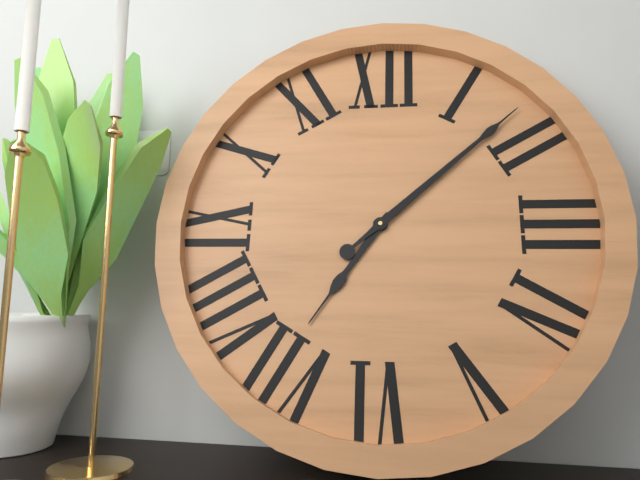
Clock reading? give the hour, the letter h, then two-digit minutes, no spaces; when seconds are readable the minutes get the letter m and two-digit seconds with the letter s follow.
7h08
